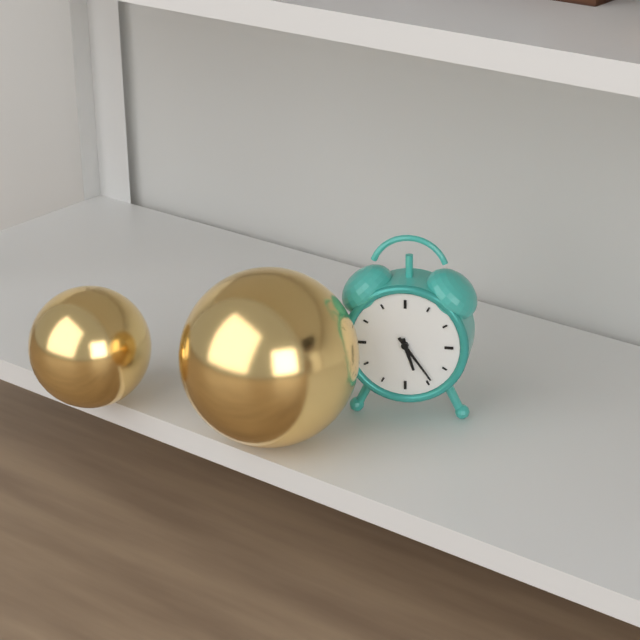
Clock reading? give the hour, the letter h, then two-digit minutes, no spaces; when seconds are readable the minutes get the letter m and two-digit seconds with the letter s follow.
5h24
